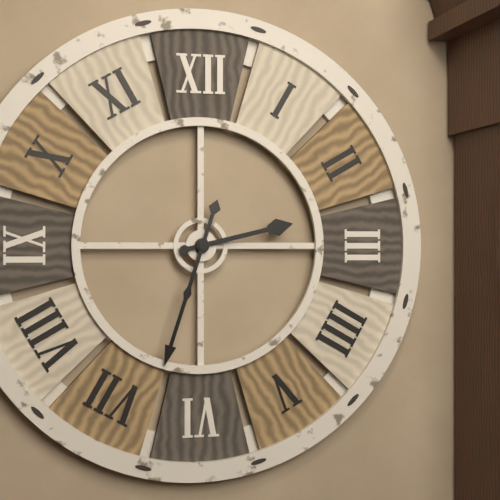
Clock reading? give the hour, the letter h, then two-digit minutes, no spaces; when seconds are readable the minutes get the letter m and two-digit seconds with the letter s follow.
2h33
